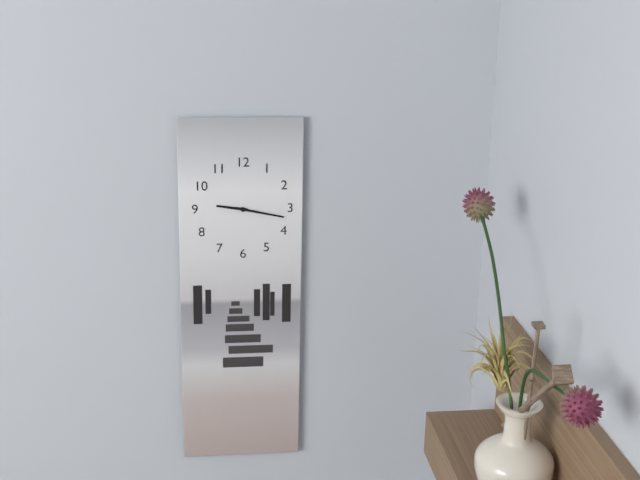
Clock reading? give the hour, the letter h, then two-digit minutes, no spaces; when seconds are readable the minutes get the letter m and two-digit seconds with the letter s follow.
9h17
